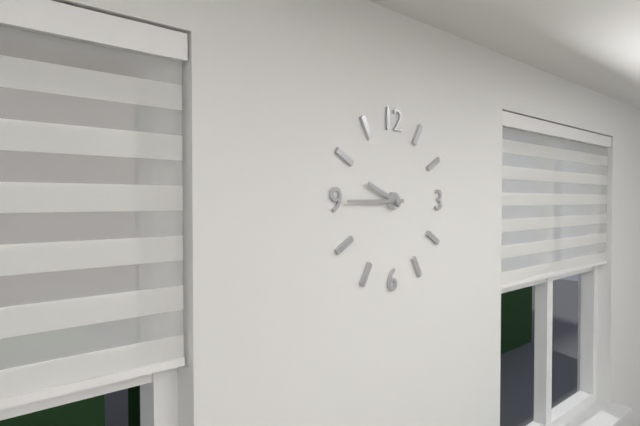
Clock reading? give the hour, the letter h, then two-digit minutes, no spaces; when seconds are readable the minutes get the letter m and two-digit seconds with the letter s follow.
9h45
